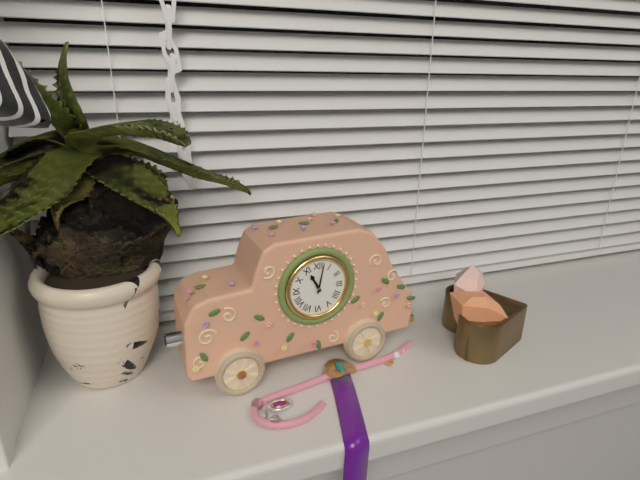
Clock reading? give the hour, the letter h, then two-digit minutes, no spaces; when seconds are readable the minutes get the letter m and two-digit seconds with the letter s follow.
11h02
